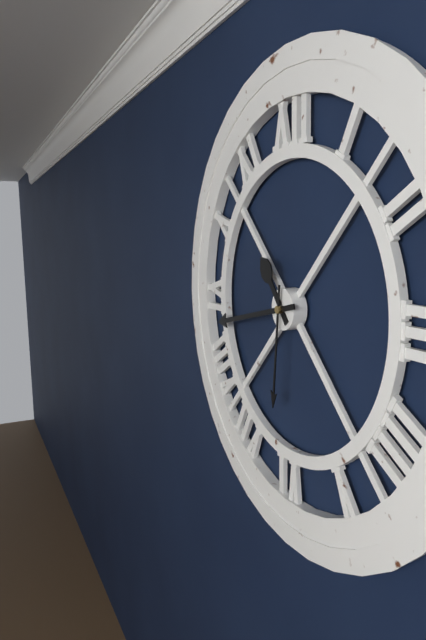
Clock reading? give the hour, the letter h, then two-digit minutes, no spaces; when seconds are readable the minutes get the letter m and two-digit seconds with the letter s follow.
10h43m31s
